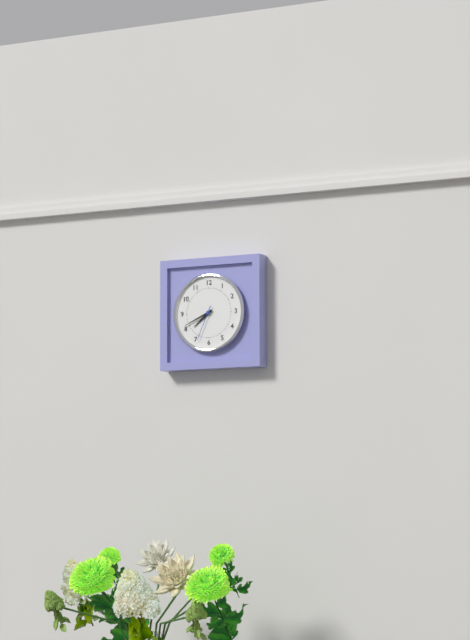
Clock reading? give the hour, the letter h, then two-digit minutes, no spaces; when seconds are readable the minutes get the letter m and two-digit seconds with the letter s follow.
7h41
